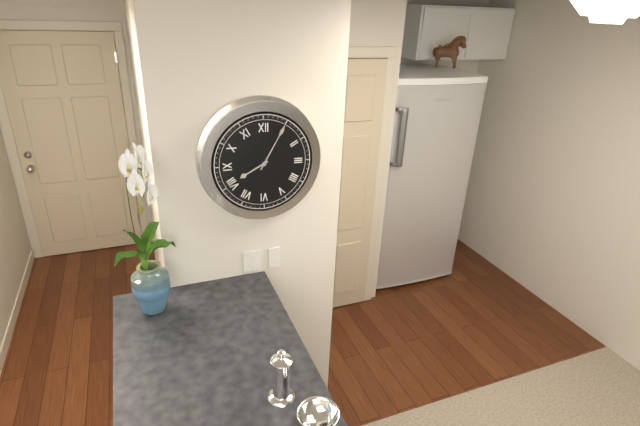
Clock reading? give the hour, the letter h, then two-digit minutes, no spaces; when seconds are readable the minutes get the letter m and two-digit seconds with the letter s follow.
8h05
